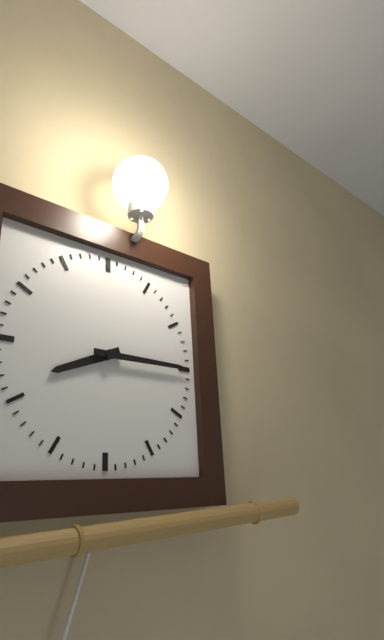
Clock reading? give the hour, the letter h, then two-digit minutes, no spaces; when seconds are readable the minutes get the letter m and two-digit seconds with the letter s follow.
8h15
